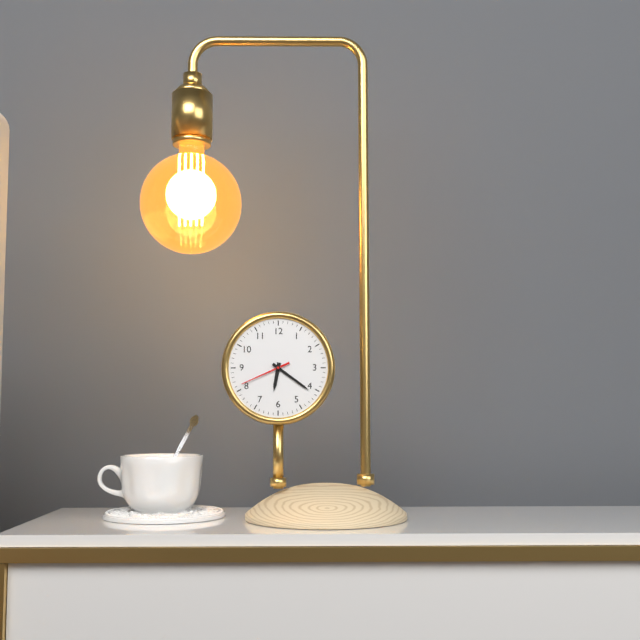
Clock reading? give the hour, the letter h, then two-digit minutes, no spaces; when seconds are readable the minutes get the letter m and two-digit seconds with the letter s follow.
6h21m41s
